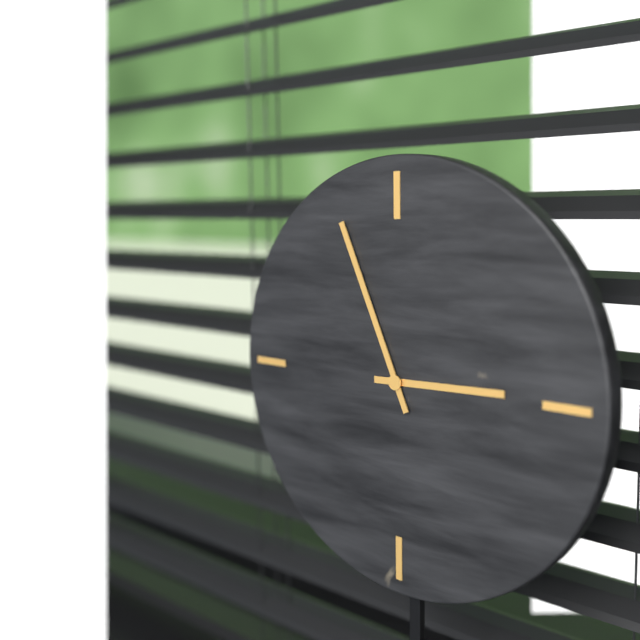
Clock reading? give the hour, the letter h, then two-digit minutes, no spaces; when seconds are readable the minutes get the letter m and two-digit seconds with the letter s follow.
2h56
